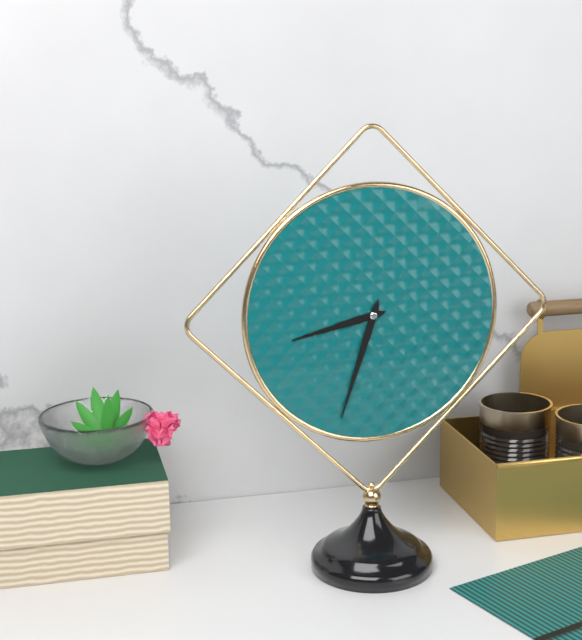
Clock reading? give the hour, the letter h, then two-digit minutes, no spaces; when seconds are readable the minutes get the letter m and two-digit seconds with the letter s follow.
8h33
